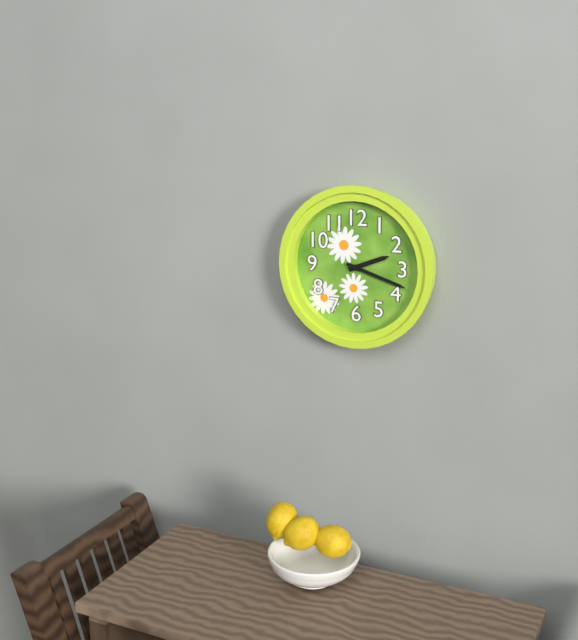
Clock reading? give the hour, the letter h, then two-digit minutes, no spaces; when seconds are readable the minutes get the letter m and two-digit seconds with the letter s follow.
2h18
